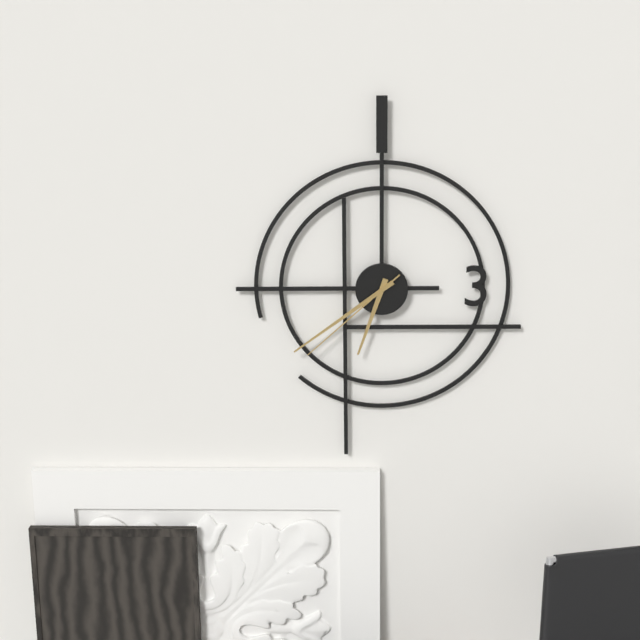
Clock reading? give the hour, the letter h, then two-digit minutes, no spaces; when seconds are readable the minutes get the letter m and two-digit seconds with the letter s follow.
6h39m38s
